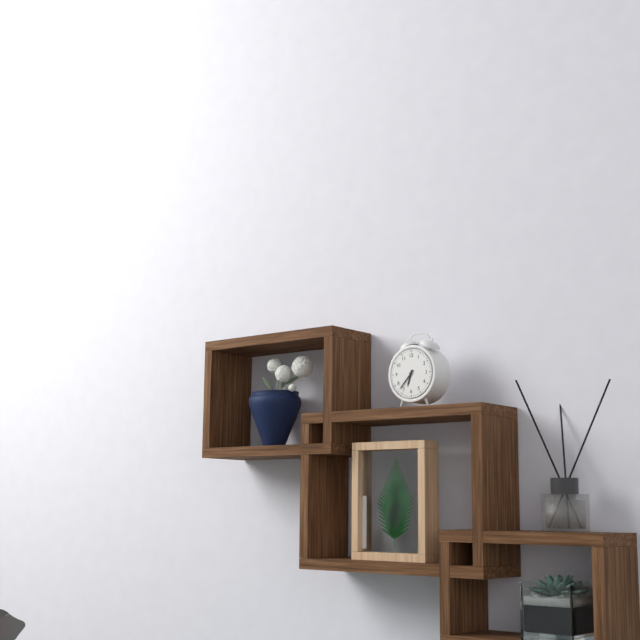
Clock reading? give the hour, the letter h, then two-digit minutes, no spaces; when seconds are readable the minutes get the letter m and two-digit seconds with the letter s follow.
6h37
